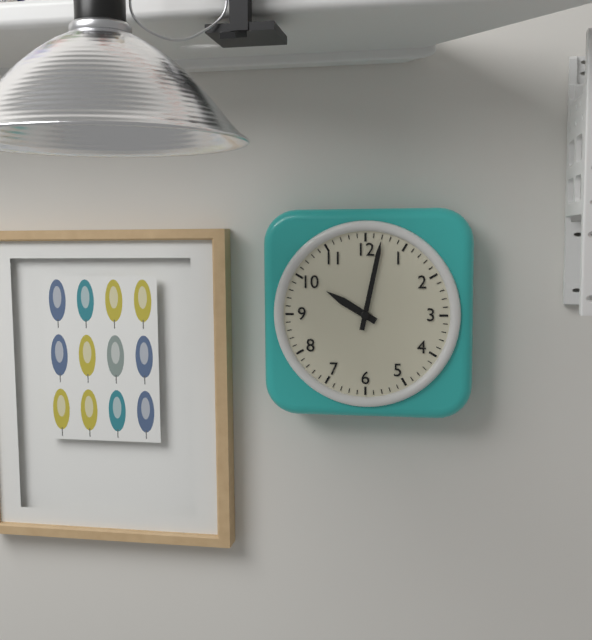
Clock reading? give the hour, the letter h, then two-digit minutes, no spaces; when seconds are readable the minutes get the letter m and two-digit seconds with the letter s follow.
10h02
